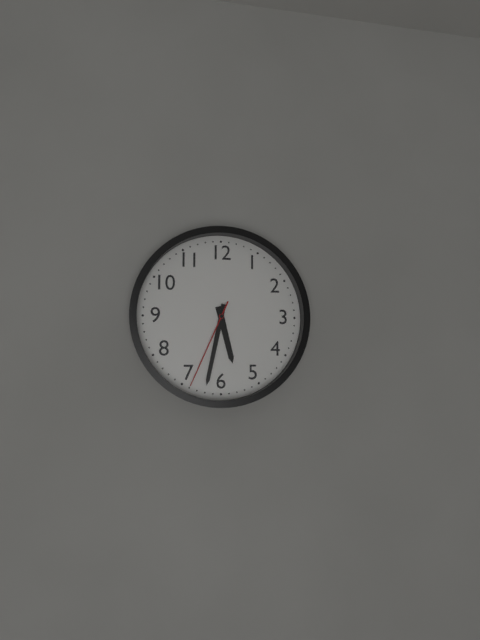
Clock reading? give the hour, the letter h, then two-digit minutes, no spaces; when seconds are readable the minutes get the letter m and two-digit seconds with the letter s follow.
5h32m34s
